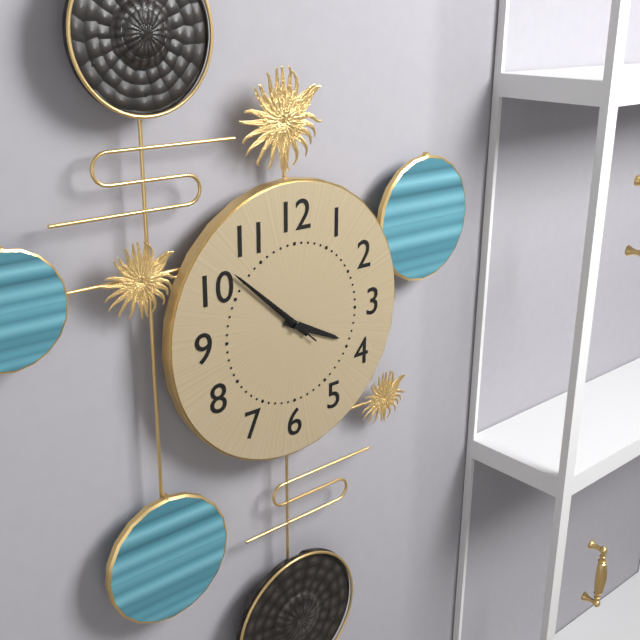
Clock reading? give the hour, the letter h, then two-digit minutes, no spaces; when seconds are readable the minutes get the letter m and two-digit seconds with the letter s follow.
3h52m52s
